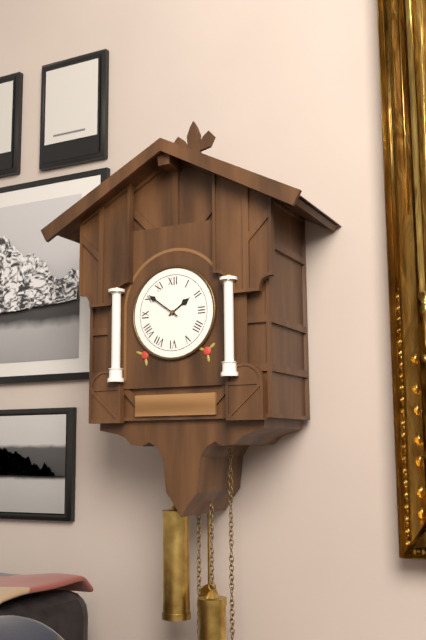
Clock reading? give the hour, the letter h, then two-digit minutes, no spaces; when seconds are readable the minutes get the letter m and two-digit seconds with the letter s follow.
1h51
